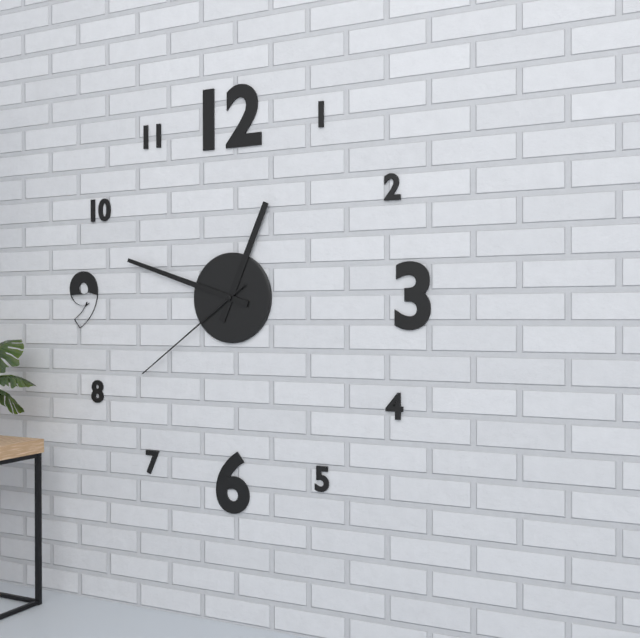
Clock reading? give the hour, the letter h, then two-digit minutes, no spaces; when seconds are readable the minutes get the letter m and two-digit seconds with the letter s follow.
12h48m39s
